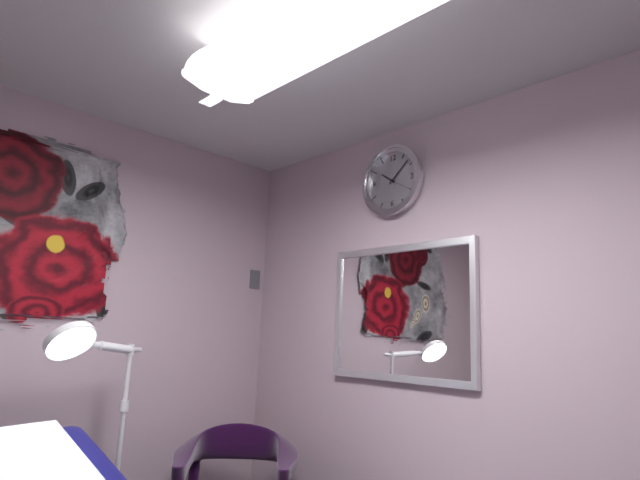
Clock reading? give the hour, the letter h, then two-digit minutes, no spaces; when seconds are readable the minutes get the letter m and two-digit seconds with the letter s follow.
10h08
